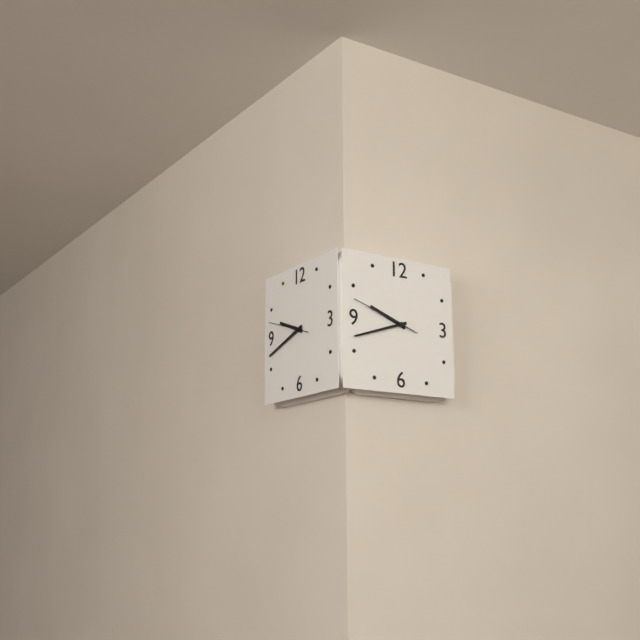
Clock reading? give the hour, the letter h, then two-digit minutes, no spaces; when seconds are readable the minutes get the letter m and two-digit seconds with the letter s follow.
9h42
